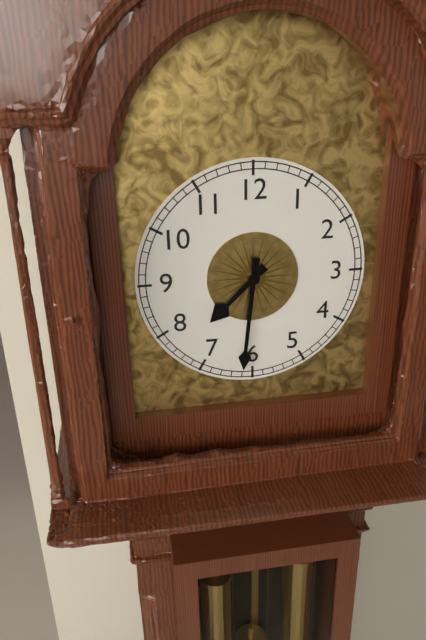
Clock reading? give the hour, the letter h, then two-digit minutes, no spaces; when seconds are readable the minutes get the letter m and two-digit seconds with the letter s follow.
7h31
